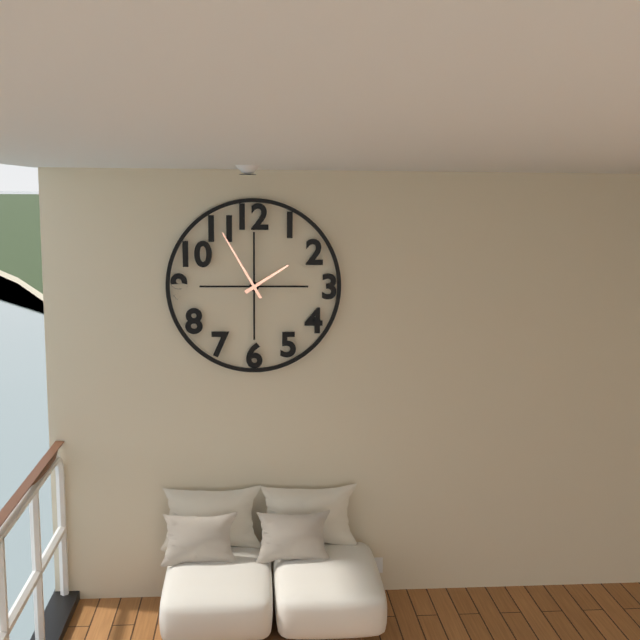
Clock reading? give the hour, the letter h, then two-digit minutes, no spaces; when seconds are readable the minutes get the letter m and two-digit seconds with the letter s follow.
1h55
